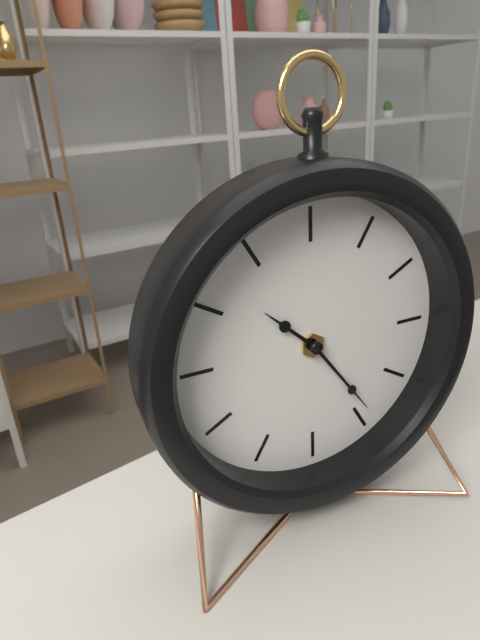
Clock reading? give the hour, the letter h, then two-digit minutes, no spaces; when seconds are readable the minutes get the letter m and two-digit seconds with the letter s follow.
10h24
